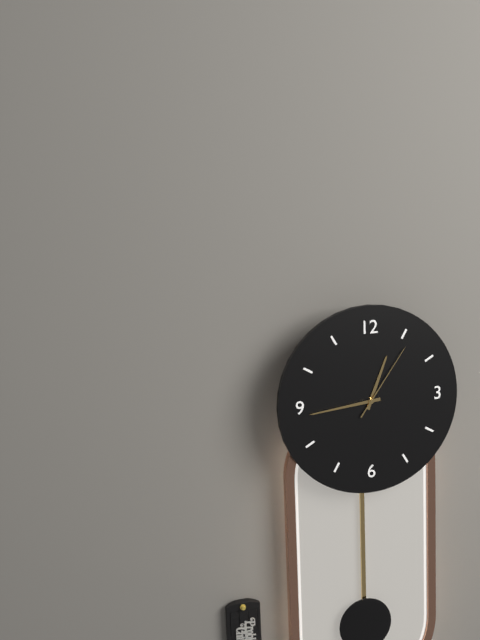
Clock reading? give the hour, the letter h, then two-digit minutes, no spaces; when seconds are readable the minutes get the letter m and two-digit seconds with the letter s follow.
12h44m06s
